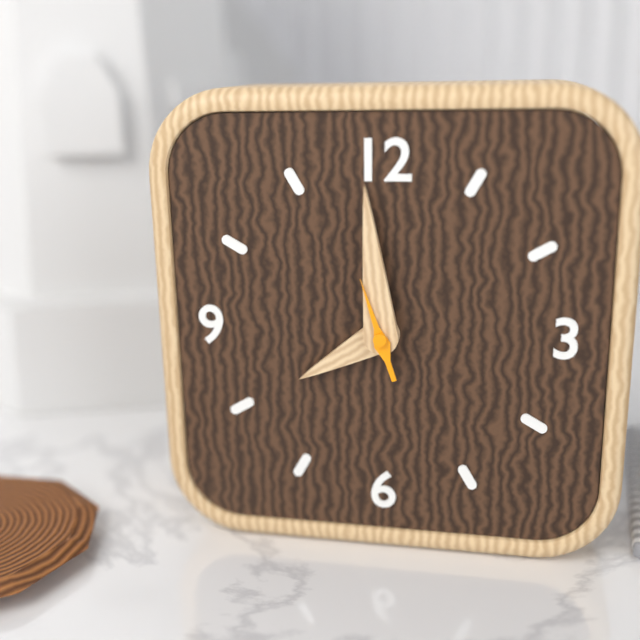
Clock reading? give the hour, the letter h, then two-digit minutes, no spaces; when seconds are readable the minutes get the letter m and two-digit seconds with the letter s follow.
7h59m57s
